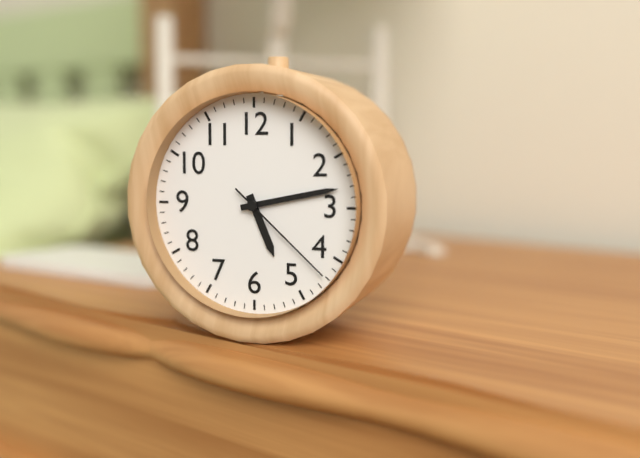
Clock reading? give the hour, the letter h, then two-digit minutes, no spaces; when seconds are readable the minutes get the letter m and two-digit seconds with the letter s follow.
5h13m22s
